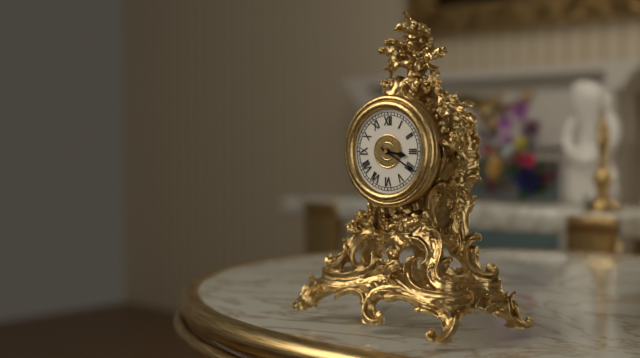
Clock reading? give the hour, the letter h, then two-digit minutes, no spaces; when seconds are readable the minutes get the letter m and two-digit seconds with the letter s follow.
3h20
